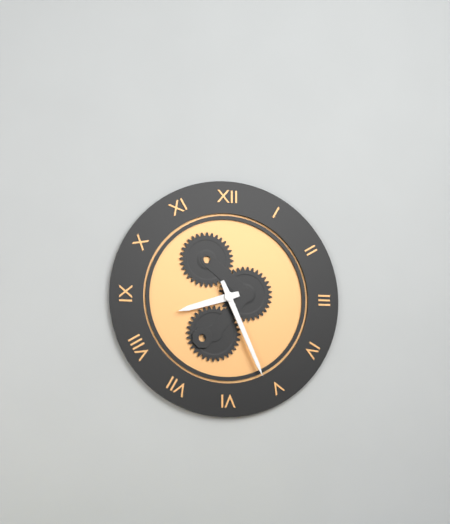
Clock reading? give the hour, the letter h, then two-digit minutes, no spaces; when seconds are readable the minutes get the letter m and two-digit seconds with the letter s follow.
8h26
